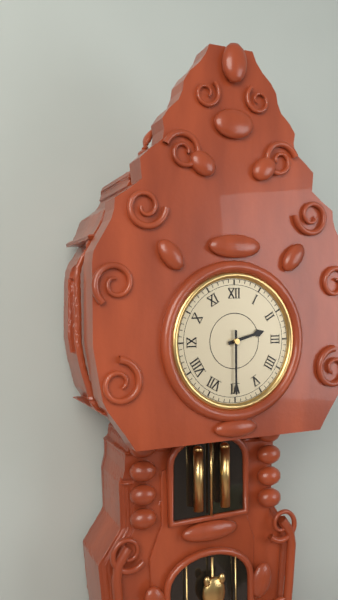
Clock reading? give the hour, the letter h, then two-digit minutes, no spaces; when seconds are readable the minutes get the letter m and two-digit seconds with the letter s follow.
2h30
